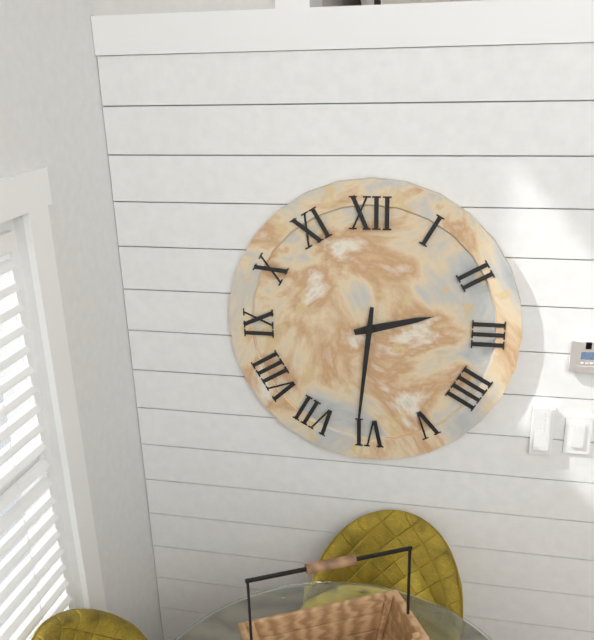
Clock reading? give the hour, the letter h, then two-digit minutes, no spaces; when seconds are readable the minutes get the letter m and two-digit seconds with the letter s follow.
2h31
